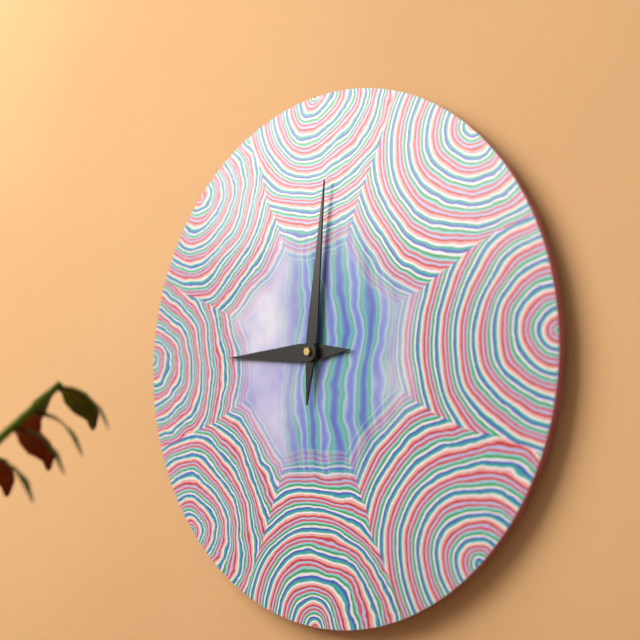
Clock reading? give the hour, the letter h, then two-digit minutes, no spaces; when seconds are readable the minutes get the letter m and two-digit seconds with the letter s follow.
9h01
